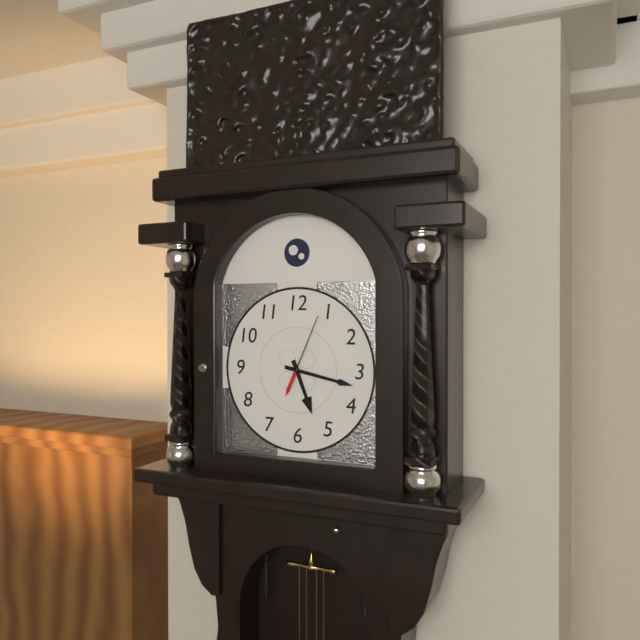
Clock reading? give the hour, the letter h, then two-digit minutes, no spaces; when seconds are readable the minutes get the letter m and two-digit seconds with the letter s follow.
5h17m04s
